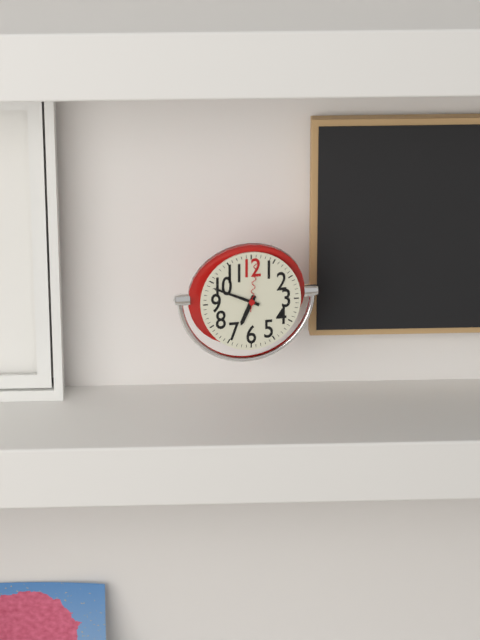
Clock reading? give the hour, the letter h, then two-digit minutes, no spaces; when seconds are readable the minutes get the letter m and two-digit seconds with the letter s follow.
6h49m01s
